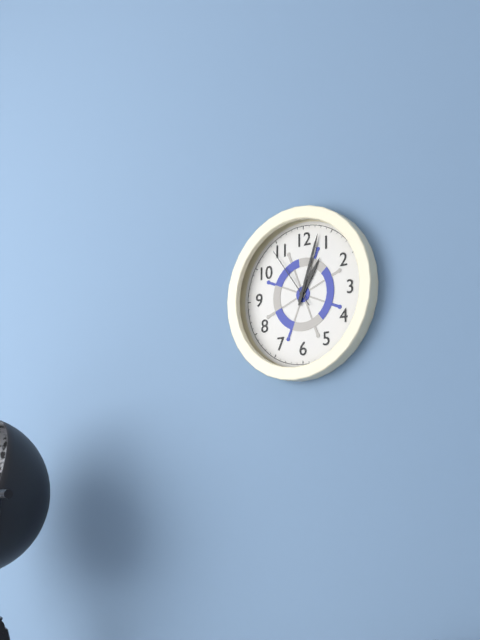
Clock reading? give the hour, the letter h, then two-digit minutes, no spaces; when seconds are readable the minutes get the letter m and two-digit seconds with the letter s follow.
1h03m54s
